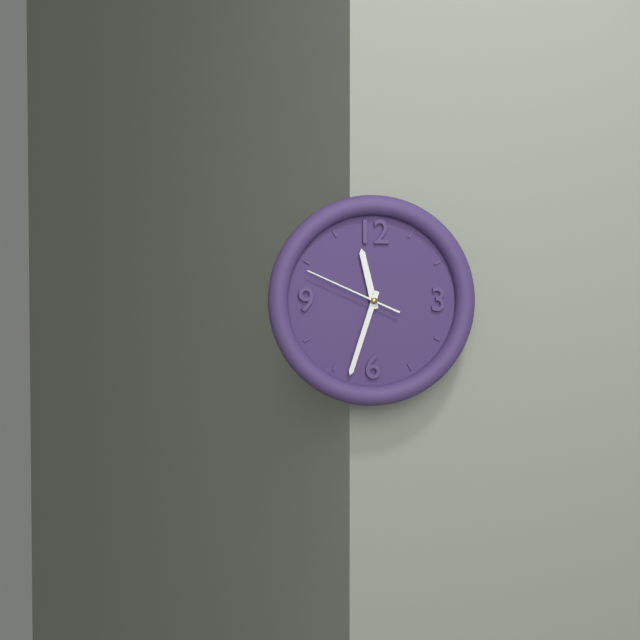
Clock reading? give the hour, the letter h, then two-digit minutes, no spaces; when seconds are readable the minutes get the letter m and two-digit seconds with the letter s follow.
11h33m49s
